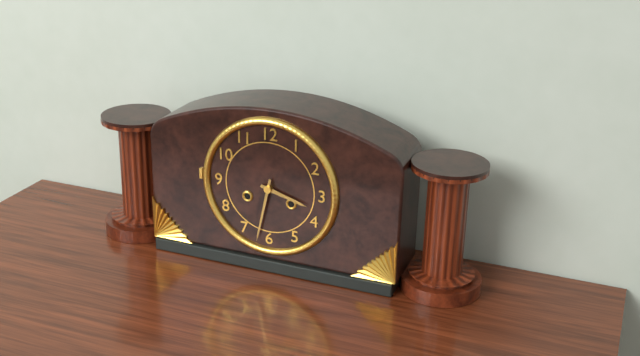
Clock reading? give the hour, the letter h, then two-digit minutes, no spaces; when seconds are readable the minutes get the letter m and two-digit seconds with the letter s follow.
3h32
